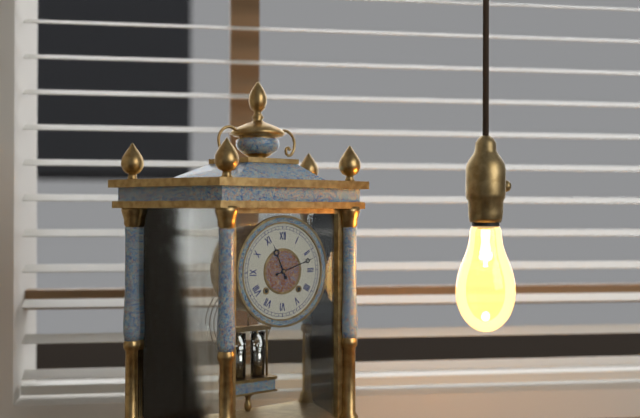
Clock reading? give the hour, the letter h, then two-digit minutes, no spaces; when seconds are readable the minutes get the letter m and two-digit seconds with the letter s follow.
11h12
